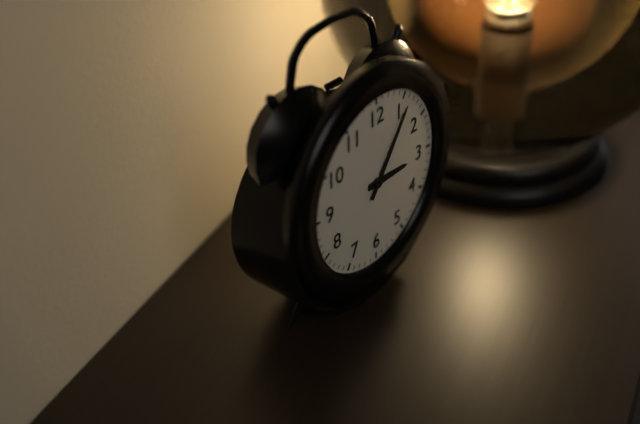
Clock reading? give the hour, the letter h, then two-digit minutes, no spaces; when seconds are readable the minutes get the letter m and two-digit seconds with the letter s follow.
3h06
